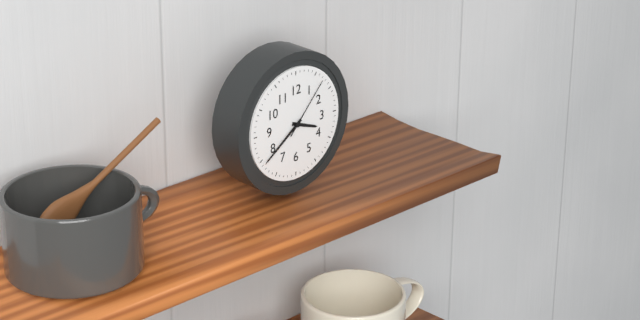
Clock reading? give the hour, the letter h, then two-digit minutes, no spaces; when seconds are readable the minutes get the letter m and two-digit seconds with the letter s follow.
3h39m07s
